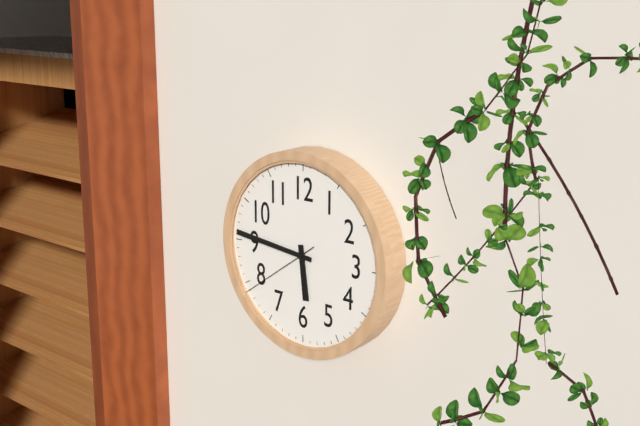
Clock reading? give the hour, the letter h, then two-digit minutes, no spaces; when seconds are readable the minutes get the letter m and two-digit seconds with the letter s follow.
5h46m39s
